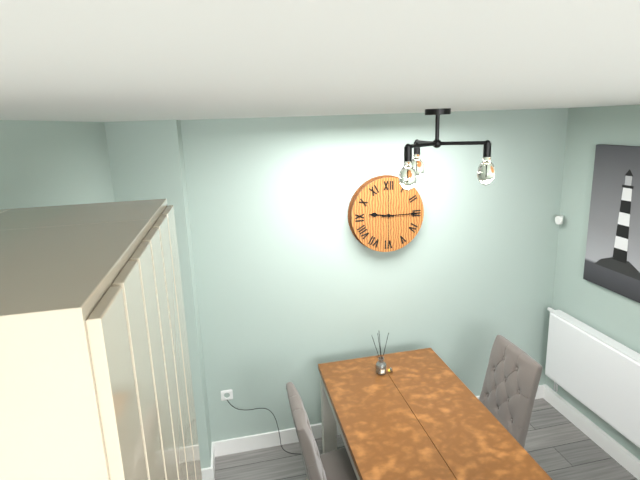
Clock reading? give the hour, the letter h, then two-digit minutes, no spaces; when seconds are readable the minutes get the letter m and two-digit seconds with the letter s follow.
9h15
